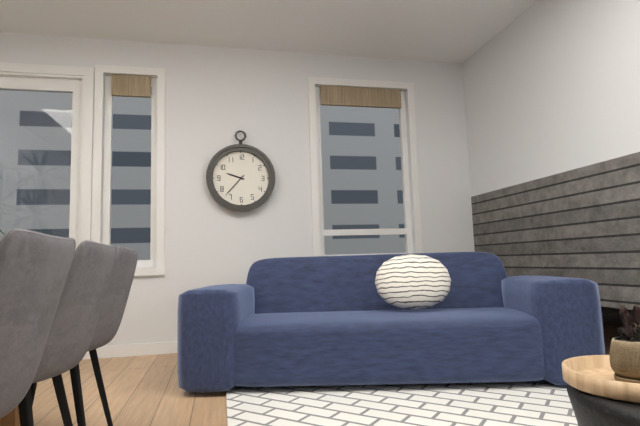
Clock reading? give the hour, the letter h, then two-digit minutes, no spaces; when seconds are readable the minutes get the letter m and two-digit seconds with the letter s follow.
9h37
